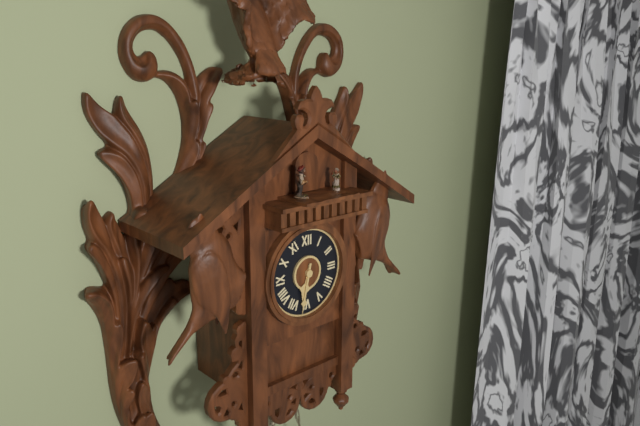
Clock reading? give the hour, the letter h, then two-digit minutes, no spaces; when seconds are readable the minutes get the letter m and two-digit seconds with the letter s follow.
6h32
